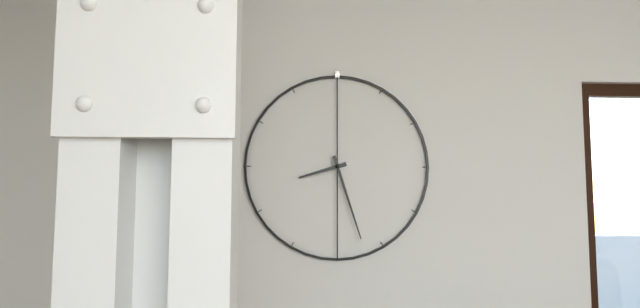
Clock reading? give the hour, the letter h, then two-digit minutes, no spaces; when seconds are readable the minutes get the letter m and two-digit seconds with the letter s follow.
8h27
